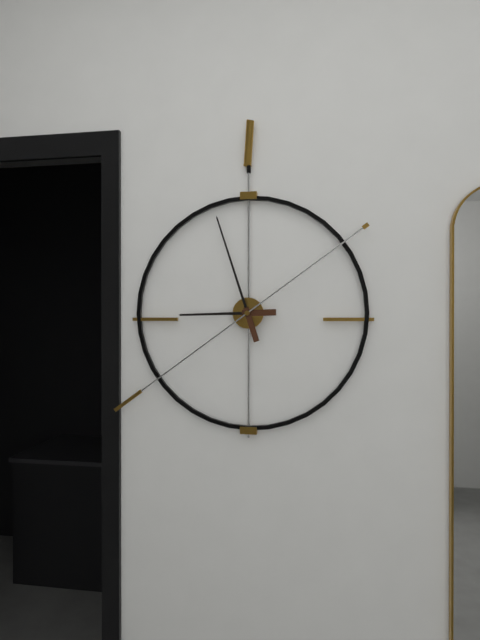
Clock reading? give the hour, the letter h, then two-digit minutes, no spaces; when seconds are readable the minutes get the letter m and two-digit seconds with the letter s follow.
8h57m39s
